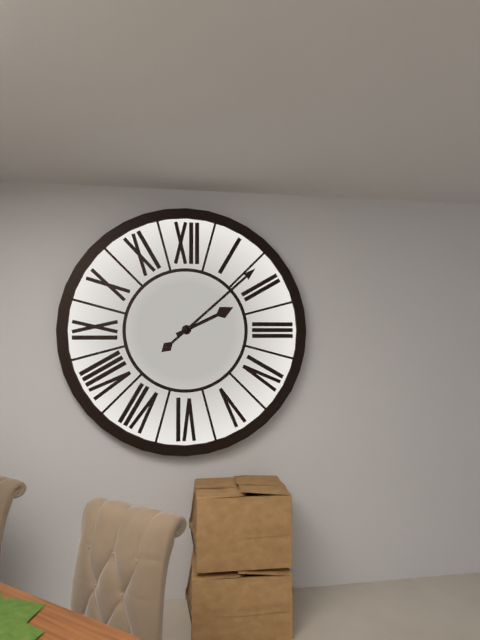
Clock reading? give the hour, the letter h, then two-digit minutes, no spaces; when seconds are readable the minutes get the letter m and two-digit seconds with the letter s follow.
2h08
